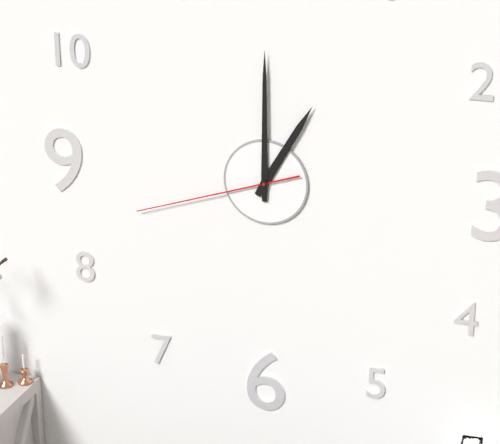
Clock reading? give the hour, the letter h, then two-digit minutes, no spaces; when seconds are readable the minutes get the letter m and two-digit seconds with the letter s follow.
1h00m42s
